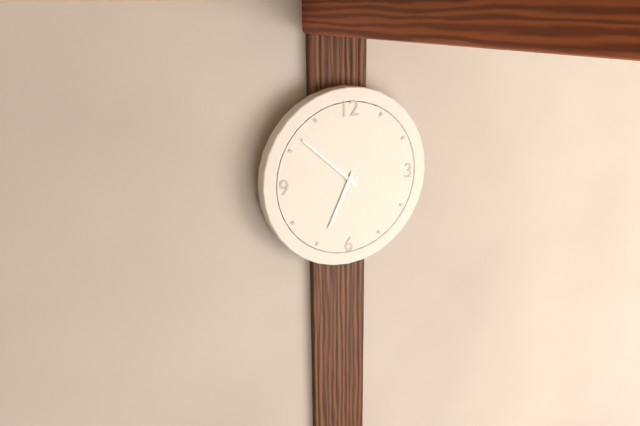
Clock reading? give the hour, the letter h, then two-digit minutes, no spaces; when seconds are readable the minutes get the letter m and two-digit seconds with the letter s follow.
6h52
